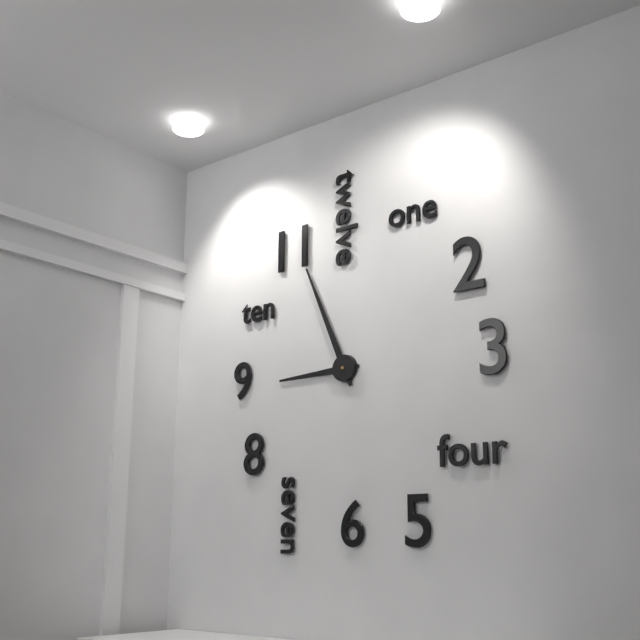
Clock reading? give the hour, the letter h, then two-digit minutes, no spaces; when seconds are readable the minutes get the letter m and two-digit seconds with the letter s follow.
8h56
